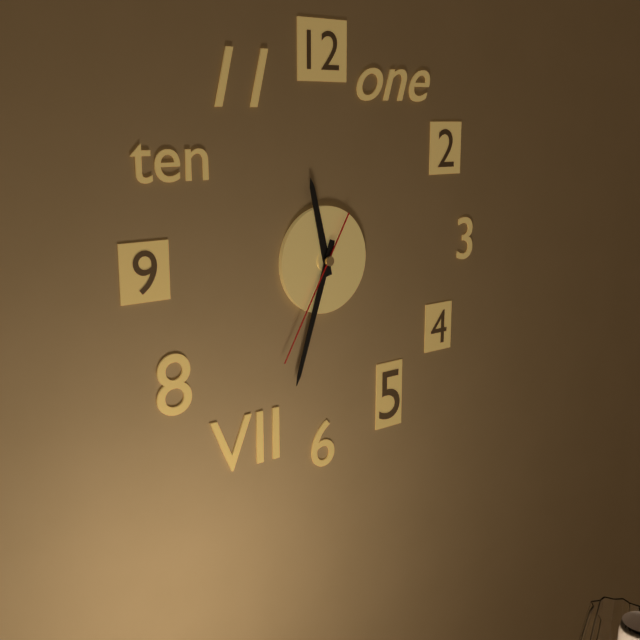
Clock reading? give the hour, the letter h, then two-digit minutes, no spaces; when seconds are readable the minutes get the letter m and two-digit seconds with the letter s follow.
11h33m35s
